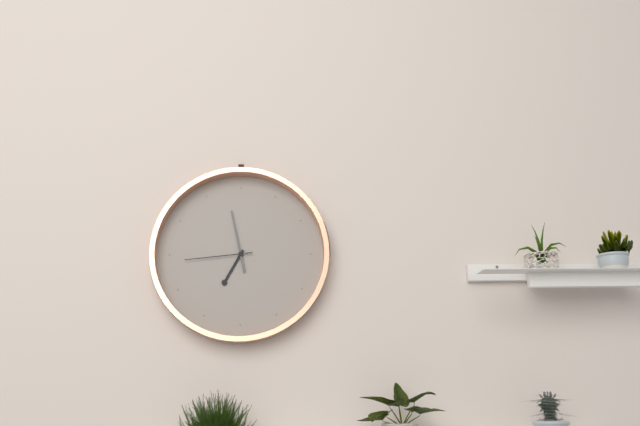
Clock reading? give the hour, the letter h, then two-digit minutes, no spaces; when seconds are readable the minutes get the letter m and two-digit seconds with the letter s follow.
6h58m44s
